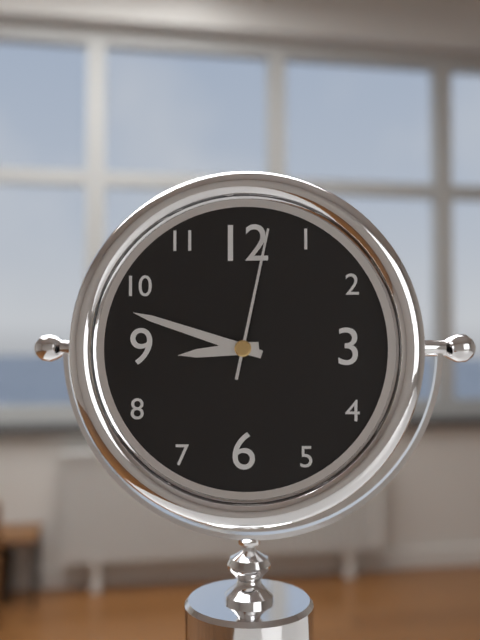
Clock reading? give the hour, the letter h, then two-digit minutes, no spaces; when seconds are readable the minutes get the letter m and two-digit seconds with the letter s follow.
8h48m02s
